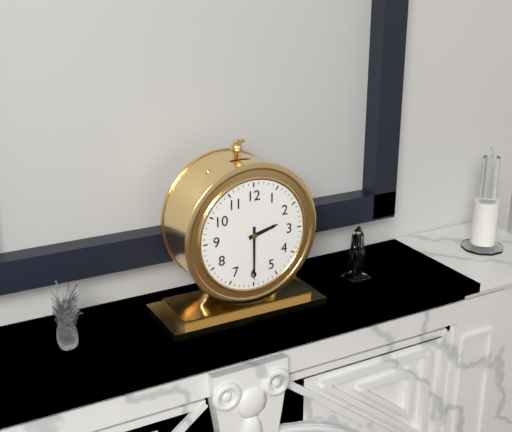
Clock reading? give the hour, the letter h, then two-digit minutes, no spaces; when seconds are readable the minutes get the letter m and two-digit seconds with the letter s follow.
2h30
